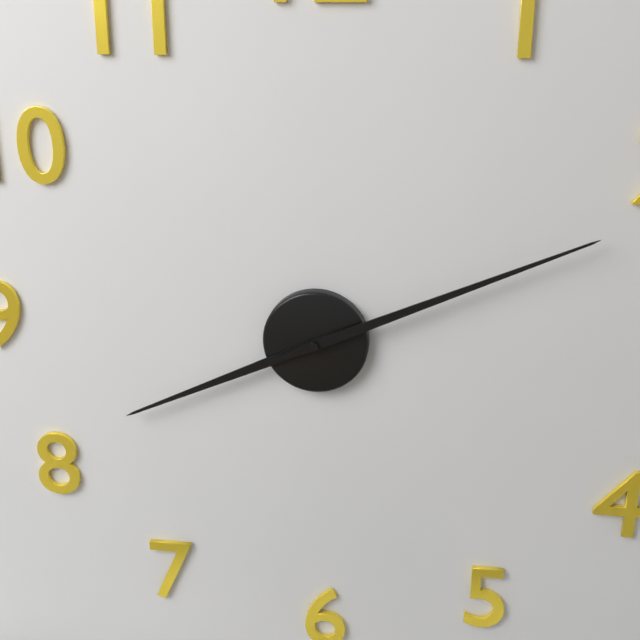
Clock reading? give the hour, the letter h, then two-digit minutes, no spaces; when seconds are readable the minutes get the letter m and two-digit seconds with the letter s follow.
8h11
